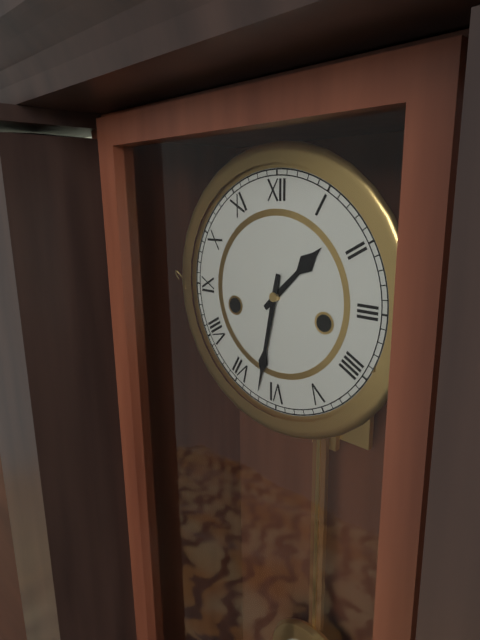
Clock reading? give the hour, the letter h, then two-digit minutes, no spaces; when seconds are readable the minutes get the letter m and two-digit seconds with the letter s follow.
1h32
